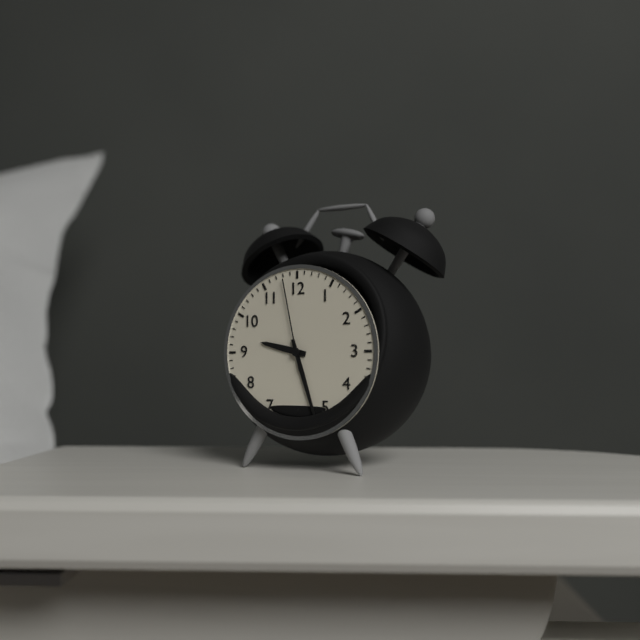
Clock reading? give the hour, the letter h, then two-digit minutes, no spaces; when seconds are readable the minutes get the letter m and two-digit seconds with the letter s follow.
9h27m58s
